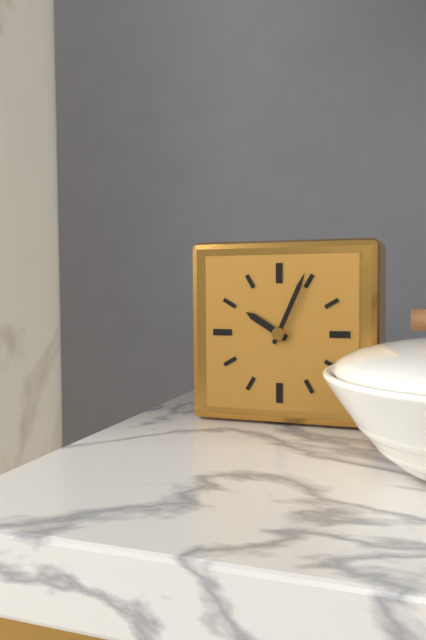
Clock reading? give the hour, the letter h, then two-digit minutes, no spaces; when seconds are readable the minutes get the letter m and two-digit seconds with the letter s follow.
10h04
